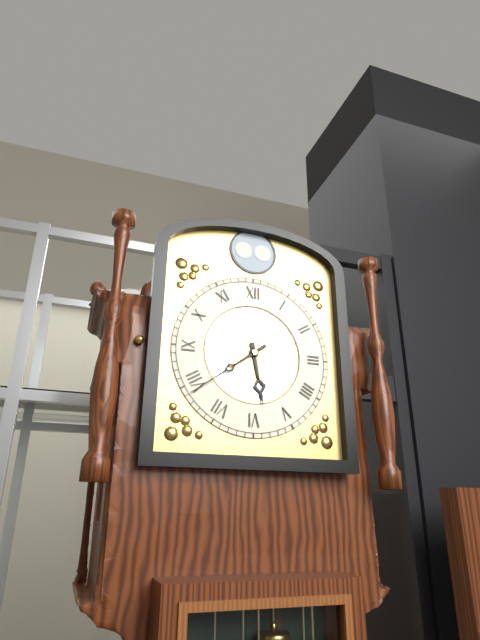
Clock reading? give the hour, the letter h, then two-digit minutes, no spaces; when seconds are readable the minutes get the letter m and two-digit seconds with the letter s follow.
5h39
